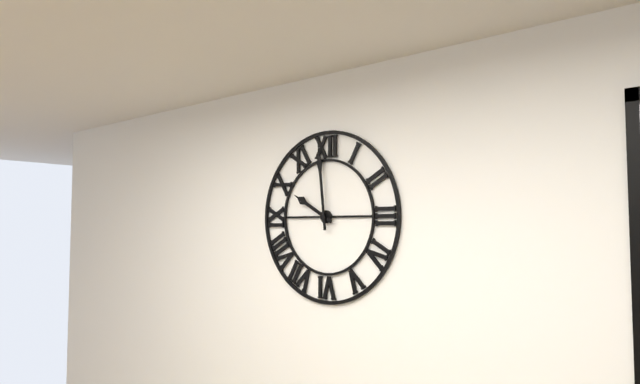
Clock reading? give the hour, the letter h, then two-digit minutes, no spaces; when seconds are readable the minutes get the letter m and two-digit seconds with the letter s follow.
9h59
